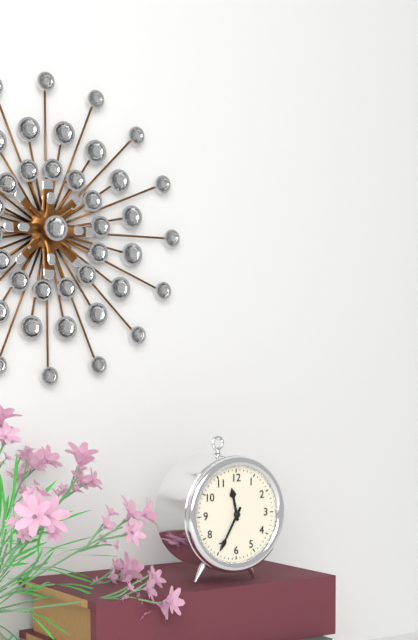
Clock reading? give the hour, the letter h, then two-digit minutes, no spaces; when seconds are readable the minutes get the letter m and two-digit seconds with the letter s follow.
11h35
